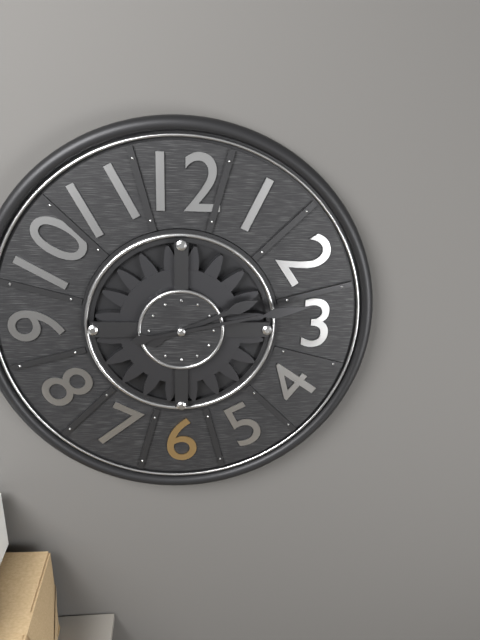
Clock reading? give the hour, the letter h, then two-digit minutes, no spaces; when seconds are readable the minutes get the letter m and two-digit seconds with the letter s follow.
2h13
